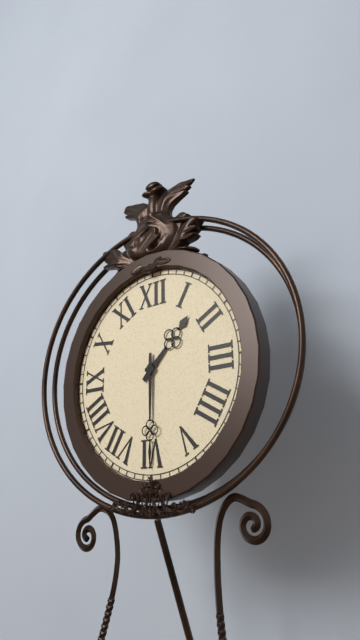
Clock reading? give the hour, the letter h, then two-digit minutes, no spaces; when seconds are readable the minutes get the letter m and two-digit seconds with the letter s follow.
1h30
